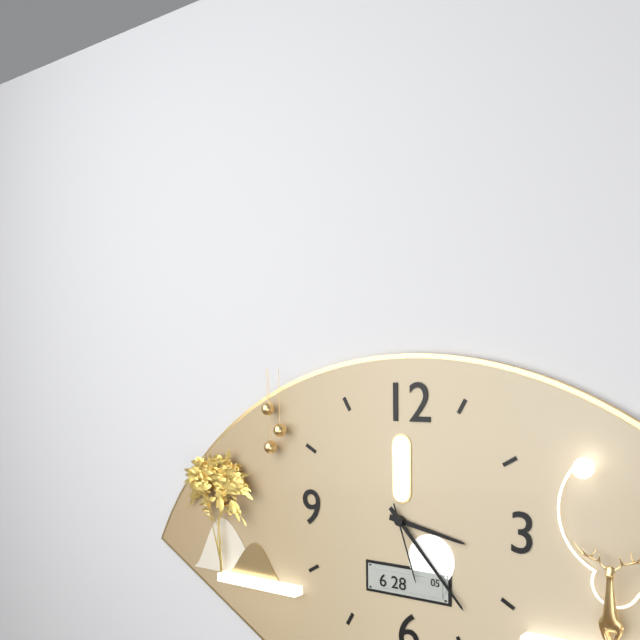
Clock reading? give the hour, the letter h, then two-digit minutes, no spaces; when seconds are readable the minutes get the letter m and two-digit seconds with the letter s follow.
3h23m27s
